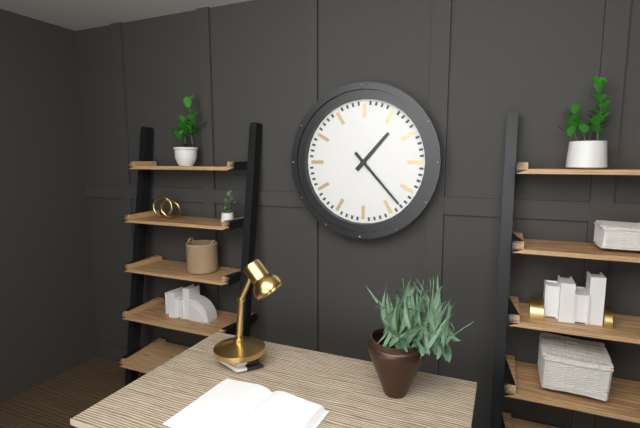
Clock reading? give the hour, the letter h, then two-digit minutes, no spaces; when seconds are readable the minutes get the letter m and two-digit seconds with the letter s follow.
1h23
